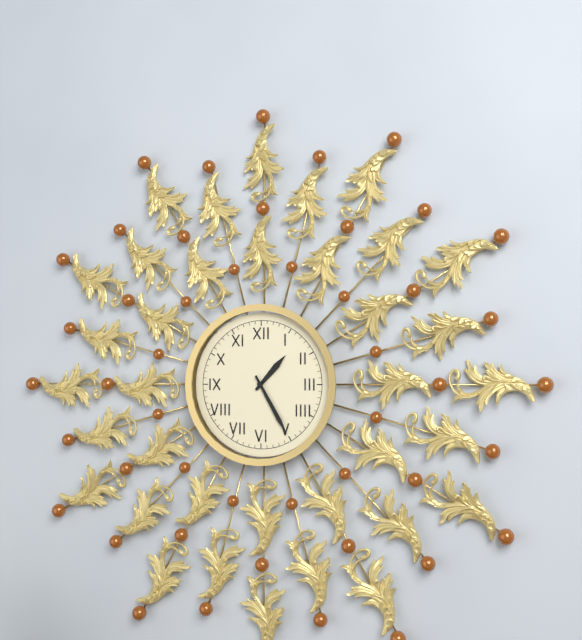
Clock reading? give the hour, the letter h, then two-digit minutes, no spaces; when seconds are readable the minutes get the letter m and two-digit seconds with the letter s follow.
1h25
